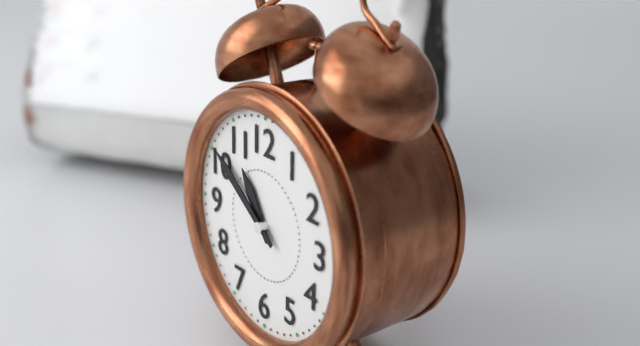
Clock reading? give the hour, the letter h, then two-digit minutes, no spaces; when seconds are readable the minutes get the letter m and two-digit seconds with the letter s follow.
10h51
